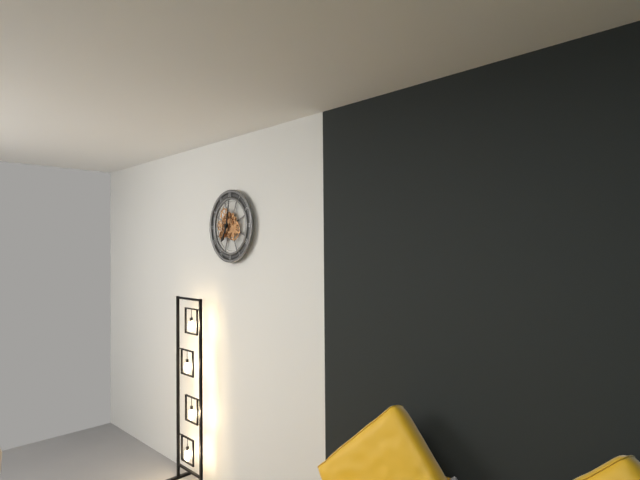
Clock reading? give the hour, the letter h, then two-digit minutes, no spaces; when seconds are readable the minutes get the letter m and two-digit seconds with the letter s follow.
7h02
